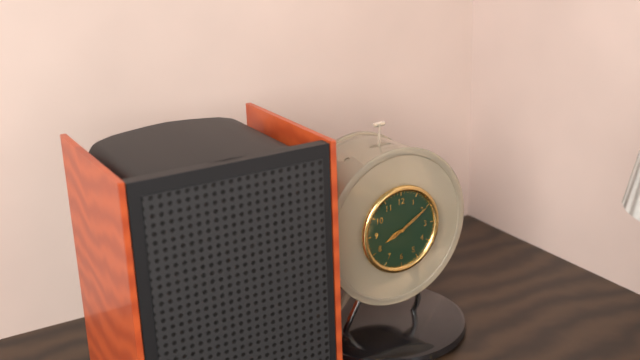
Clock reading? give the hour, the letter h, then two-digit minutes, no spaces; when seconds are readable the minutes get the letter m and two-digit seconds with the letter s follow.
8h10
